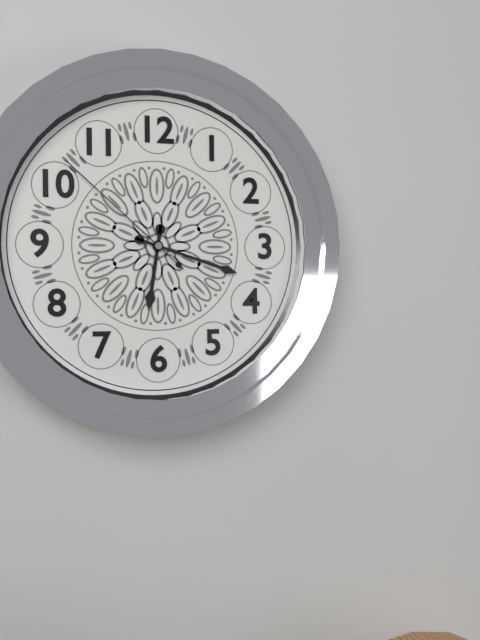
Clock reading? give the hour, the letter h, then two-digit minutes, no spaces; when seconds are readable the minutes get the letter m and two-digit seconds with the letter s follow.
6h18m52s
